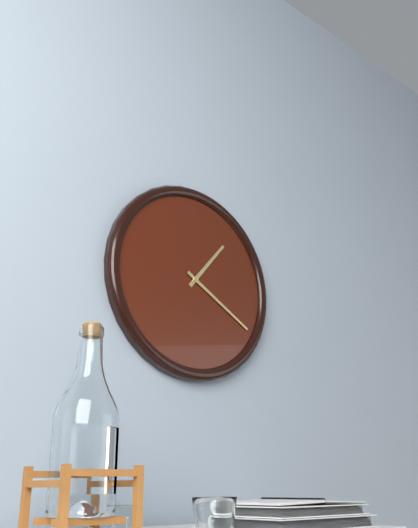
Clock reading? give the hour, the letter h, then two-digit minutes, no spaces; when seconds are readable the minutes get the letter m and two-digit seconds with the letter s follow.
1h20
